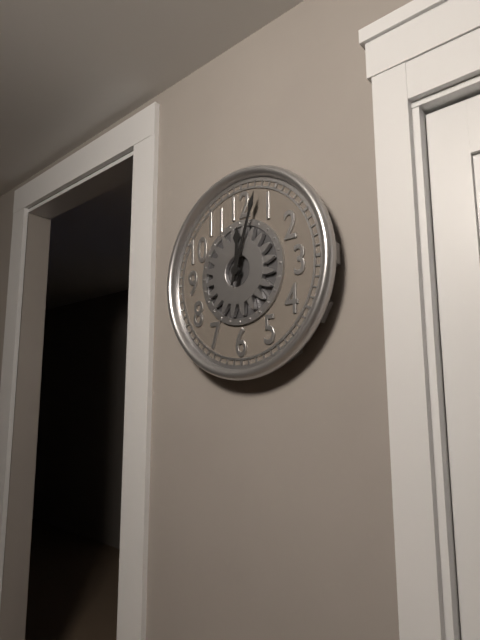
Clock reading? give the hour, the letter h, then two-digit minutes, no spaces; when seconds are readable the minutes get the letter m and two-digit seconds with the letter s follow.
12h03
